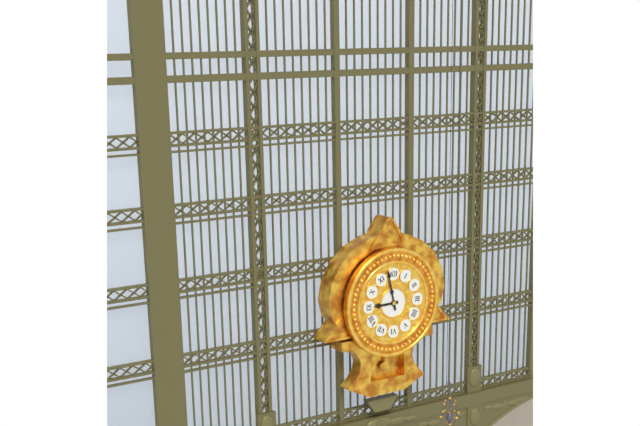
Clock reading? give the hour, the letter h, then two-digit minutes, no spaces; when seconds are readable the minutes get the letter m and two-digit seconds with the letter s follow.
8h58
